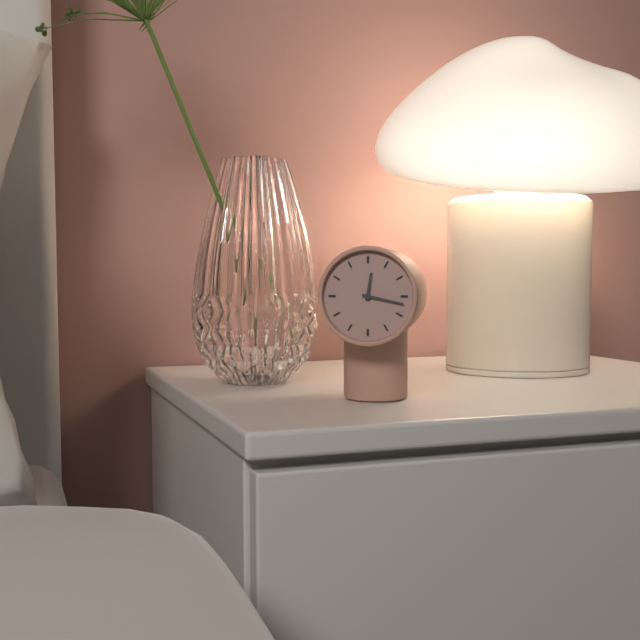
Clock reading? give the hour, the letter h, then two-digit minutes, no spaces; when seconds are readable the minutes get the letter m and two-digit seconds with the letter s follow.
12h17
